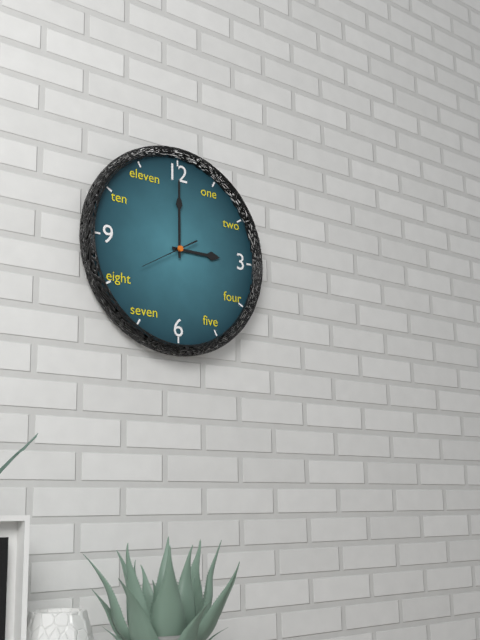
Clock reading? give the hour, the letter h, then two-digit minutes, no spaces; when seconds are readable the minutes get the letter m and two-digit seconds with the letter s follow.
3h00m40s
